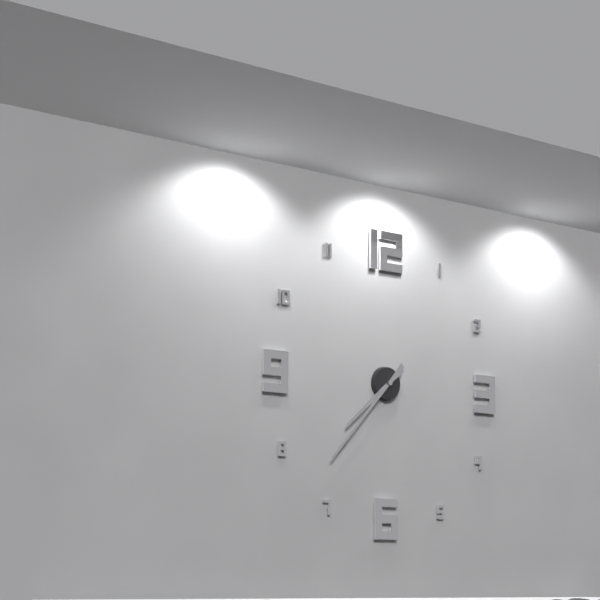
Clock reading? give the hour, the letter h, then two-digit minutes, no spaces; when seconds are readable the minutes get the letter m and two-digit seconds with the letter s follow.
7h37
